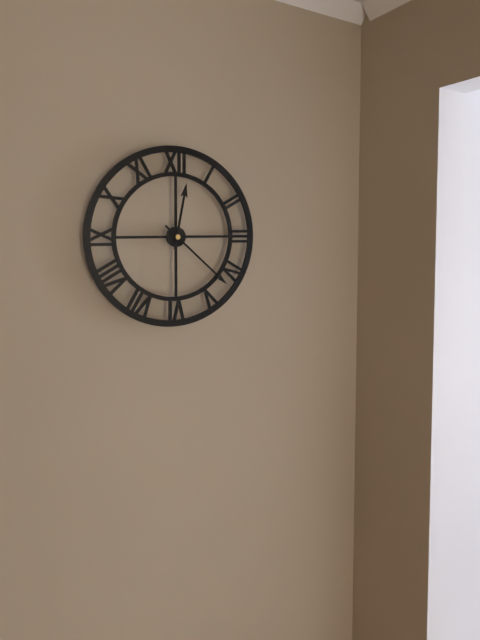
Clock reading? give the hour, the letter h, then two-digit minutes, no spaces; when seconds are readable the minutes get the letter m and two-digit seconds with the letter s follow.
12h22
